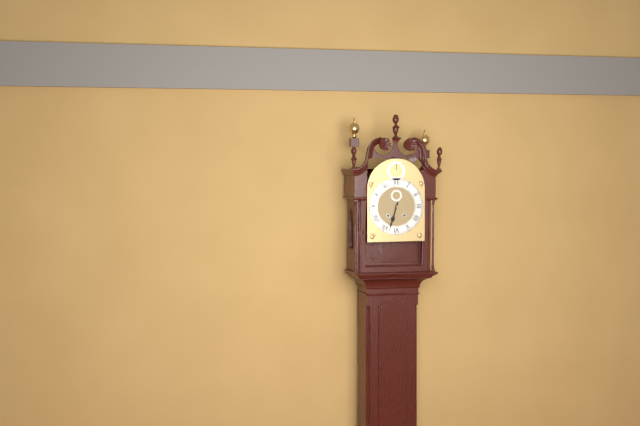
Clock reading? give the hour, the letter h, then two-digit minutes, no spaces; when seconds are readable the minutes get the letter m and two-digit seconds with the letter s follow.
6h33
